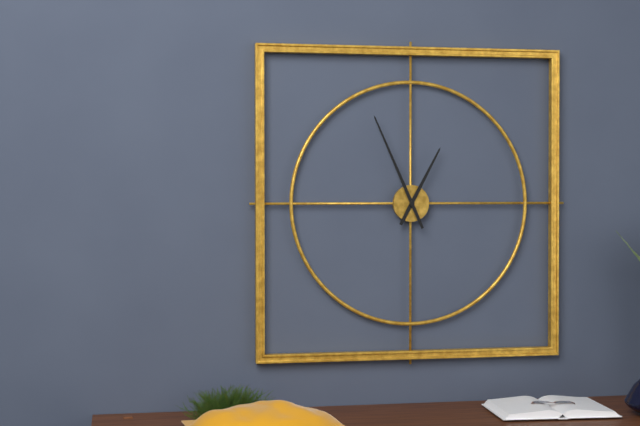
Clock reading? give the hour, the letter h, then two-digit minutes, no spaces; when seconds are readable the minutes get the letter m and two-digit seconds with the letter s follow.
12h56
